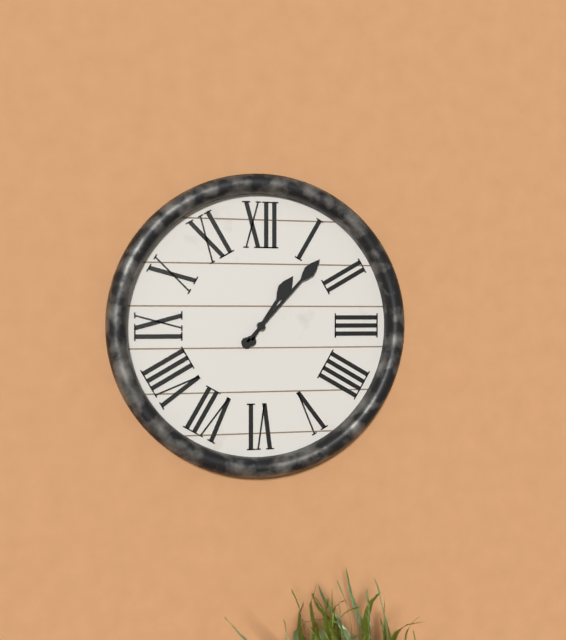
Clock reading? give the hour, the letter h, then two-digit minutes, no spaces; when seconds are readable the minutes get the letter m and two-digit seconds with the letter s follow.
1h07
